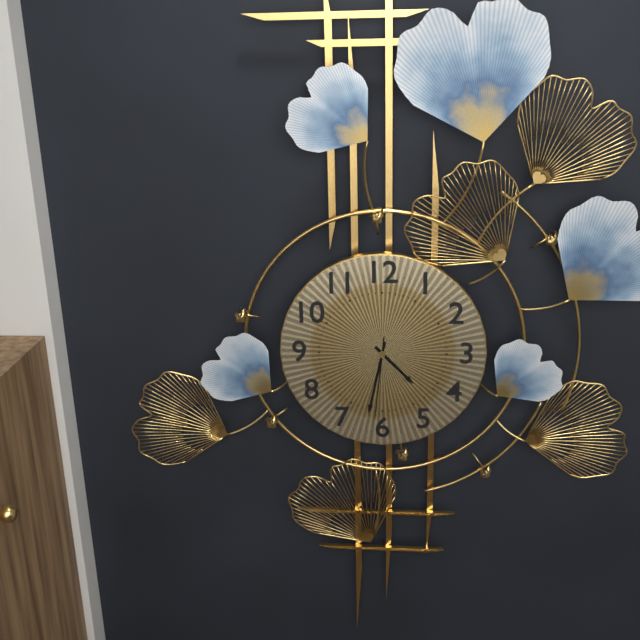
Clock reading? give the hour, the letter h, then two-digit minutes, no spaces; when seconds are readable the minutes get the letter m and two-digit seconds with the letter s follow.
4h32m31s
